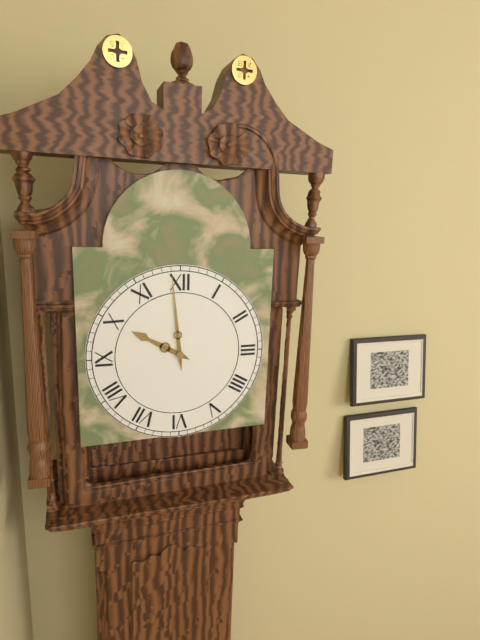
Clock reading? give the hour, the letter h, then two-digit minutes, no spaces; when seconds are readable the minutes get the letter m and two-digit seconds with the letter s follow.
9h59
